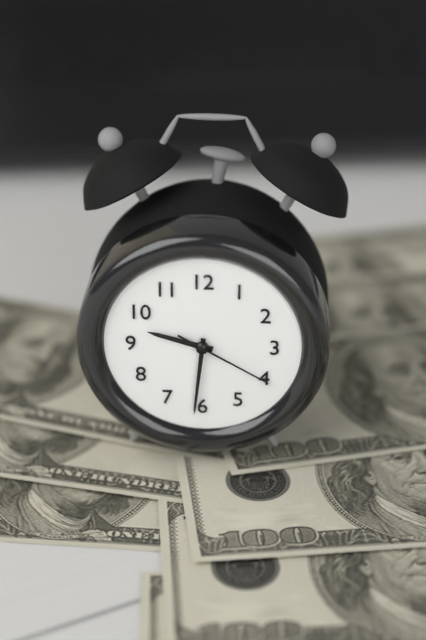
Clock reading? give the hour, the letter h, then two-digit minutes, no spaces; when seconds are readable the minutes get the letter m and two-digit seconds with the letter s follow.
9h31m20s
